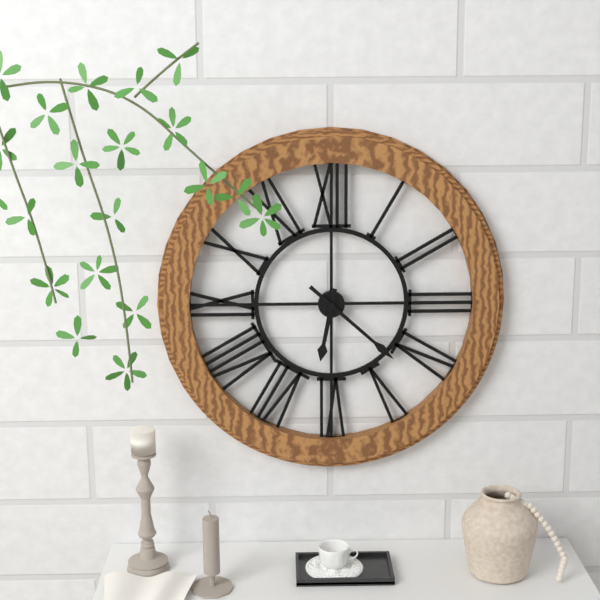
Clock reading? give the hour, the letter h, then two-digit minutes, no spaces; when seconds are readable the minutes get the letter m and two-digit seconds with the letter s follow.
6h22
